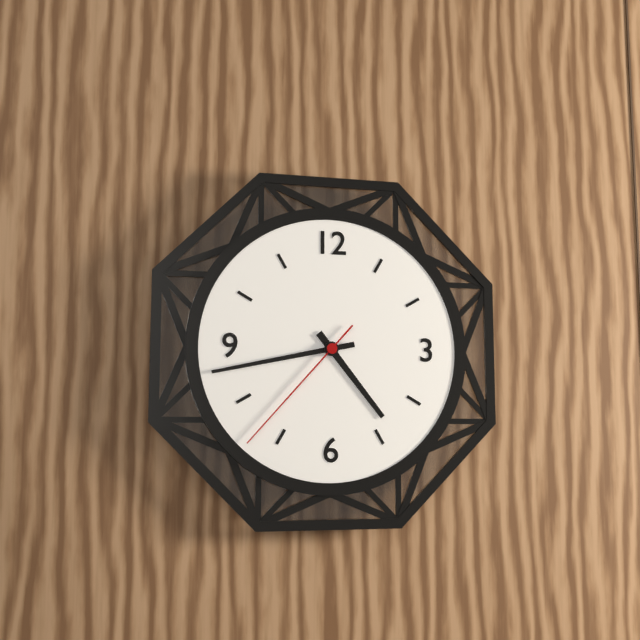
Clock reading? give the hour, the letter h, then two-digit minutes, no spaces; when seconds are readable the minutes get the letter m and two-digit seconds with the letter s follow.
4h43m37s
